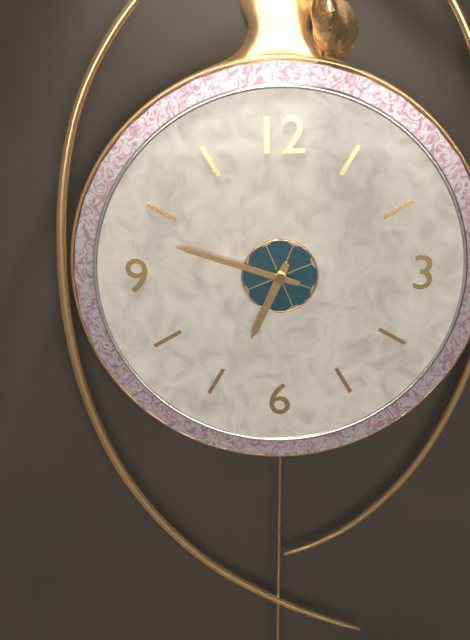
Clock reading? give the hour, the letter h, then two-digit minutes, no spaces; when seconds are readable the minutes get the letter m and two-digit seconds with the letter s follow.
6h48
